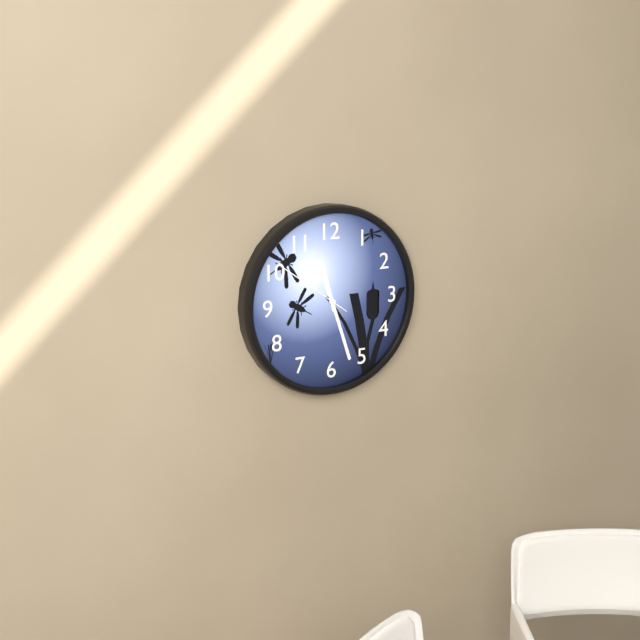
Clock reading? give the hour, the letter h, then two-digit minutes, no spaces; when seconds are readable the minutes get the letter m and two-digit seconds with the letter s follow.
11h27m51s
